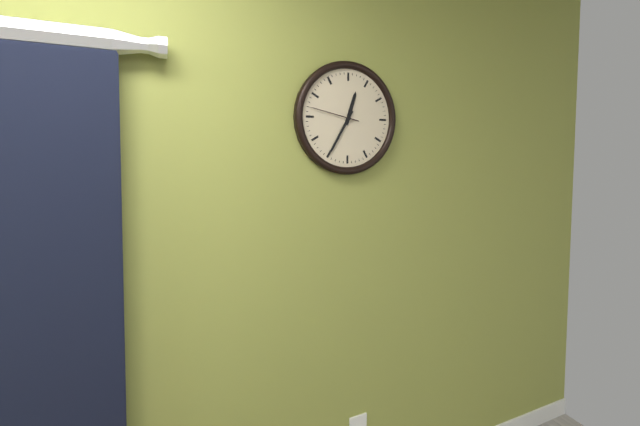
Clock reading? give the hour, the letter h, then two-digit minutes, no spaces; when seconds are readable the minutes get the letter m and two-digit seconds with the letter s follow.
12h35m47s
